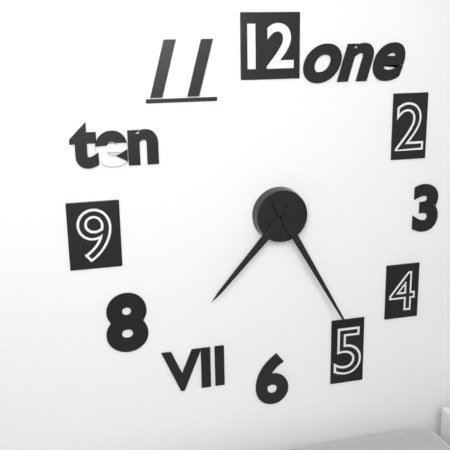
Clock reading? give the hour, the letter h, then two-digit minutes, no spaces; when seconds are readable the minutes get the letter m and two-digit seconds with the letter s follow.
7h25
